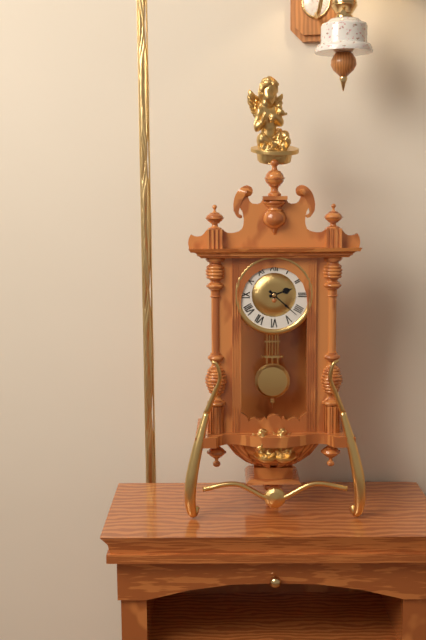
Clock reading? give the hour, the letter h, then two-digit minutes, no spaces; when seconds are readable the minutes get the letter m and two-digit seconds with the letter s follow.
2h22
